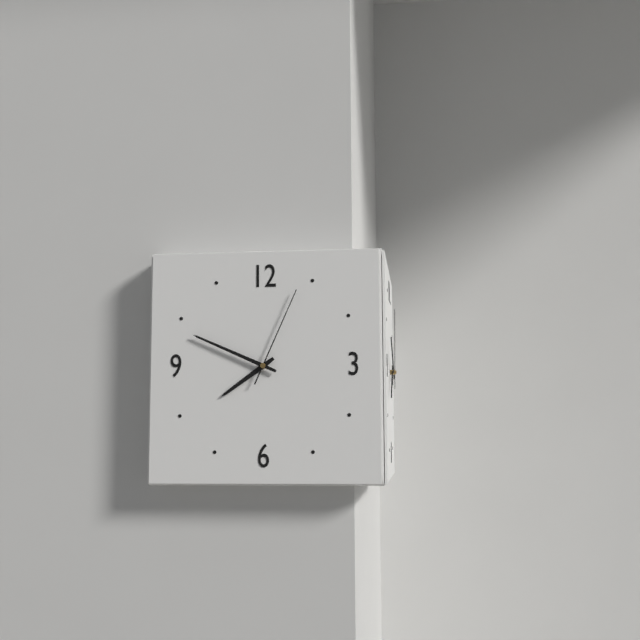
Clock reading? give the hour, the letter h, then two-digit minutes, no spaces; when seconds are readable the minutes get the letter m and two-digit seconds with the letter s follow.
7h49m04s
